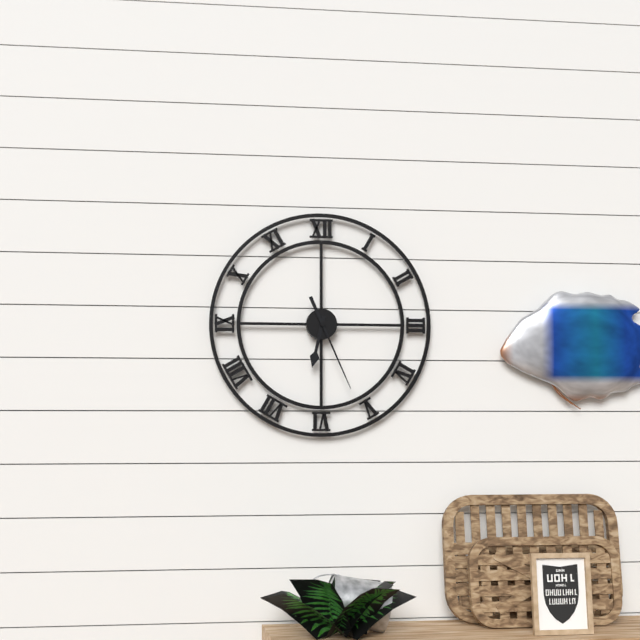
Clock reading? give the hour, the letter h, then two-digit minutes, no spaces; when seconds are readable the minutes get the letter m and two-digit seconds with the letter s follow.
6h26
